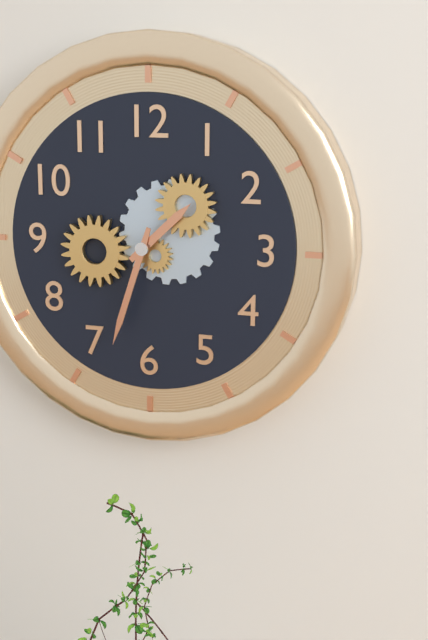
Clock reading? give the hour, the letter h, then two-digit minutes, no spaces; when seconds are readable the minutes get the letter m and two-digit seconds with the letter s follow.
1h33
